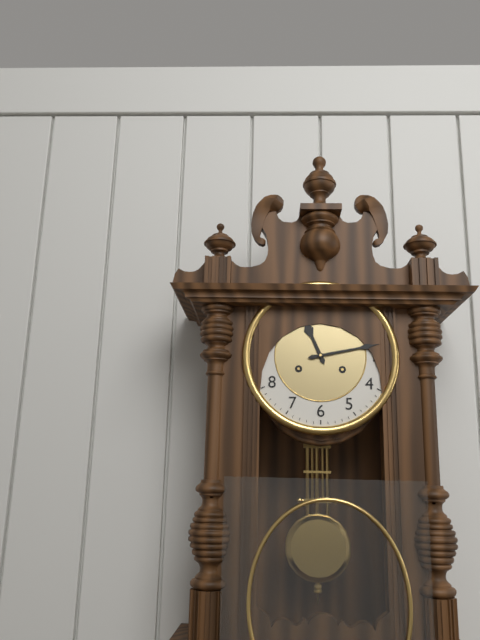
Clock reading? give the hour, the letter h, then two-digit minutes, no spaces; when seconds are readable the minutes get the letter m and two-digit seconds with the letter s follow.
11h13
